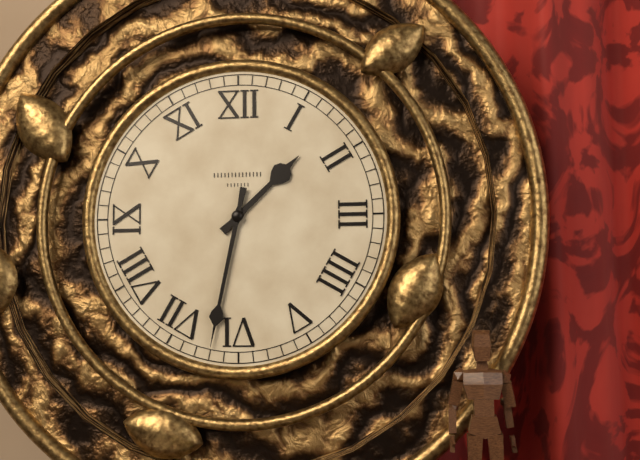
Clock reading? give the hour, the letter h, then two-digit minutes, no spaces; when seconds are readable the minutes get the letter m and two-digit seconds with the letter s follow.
1h32
